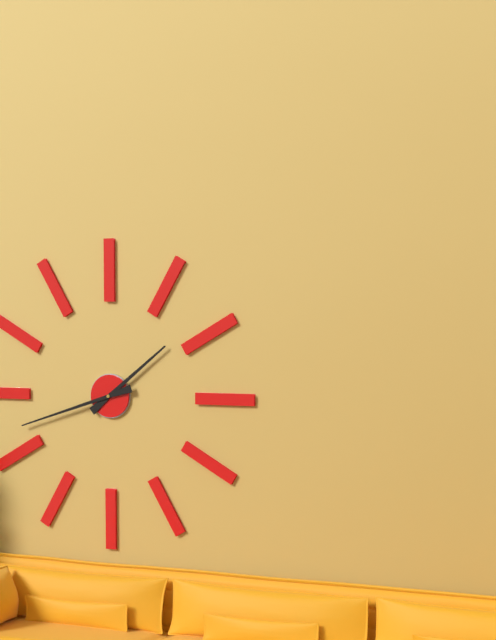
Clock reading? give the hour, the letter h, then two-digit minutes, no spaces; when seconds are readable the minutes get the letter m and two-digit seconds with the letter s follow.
1h42
